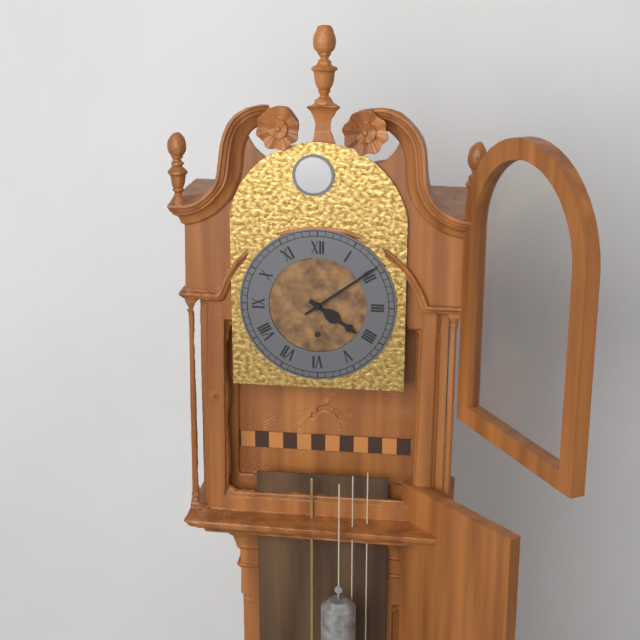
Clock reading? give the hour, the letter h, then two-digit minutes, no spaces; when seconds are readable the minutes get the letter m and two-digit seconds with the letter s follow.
4h09
